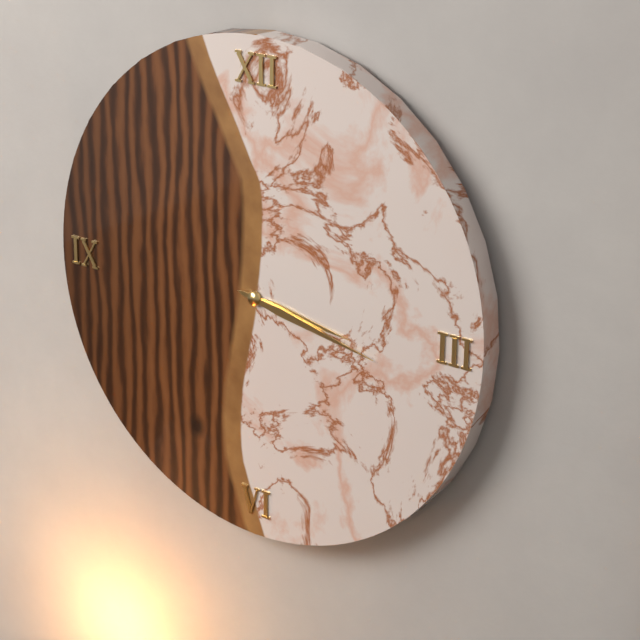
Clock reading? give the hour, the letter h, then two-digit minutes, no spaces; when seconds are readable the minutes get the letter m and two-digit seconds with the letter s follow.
3h17
